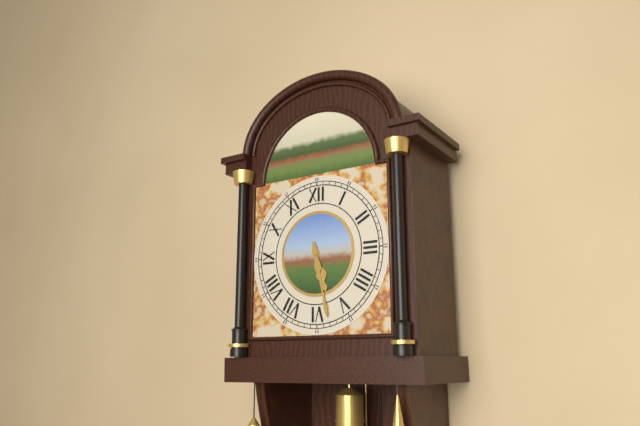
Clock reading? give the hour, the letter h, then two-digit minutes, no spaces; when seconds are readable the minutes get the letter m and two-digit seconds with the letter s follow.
5h28
